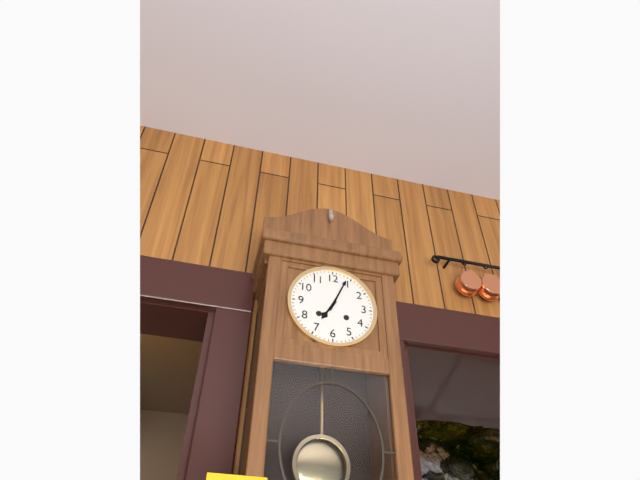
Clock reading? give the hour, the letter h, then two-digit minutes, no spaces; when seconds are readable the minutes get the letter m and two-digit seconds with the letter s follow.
7h04
